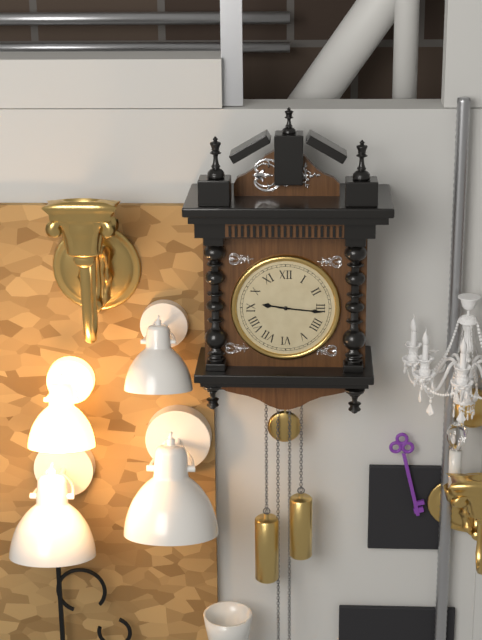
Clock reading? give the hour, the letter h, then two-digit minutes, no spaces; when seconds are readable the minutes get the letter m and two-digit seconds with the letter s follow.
9h16
